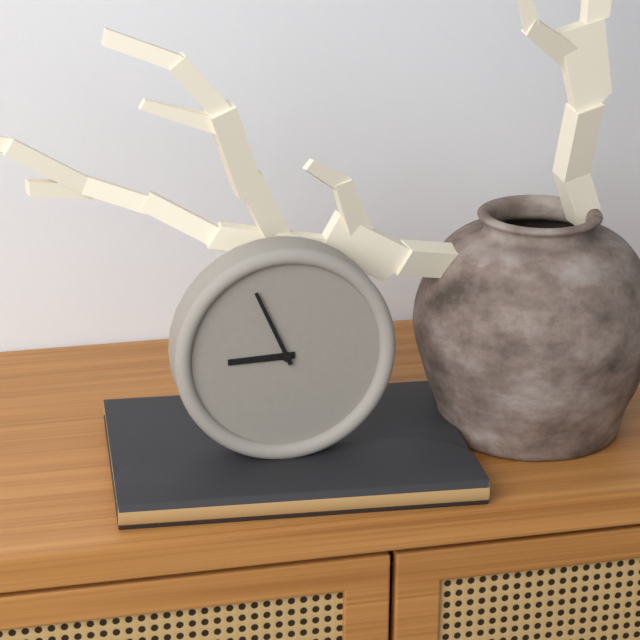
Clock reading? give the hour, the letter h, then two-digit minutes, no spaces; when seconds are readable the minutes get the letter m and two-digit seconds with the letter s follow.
8h56
